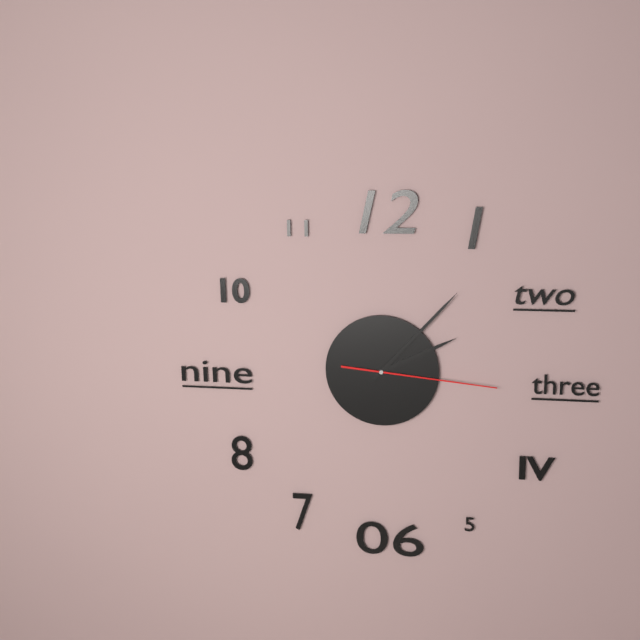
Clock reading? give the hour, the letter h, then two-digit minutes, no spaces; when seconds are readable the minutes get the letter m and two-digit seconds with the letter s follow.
2h07m16s
